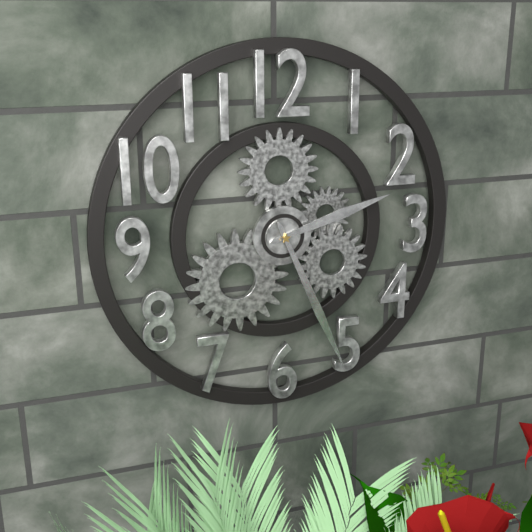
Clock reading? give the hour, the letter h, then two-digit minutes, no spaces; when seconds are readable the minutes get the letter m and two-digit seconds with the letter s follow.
2h26
